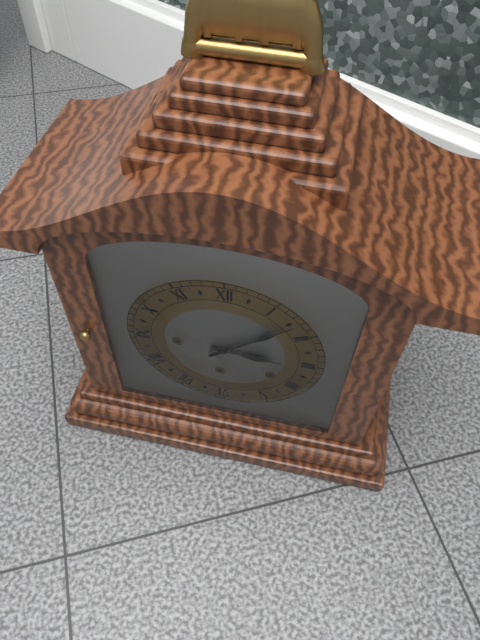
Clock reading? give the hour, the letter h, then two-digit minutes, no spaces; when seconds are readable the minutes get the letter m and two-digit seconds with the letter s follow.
3h08
